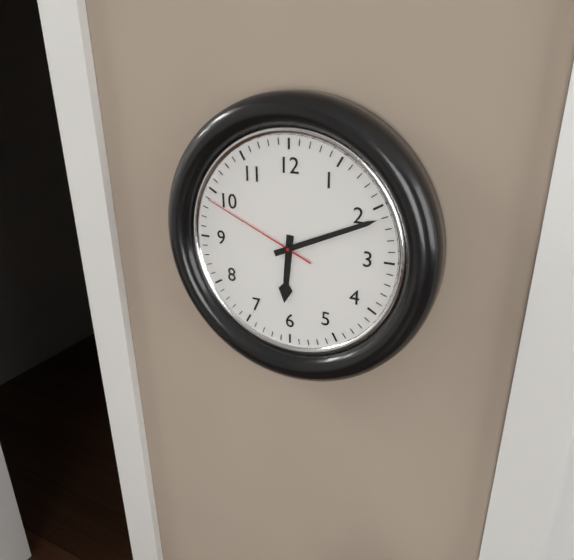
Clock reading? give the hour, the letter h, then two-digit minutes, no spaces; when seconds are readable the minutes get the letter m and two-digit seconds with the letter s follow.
6h11m49s
